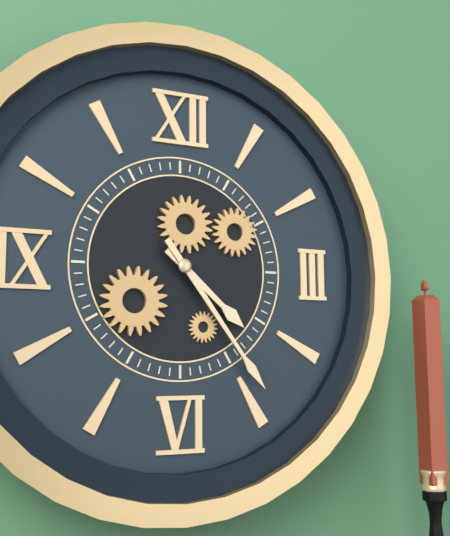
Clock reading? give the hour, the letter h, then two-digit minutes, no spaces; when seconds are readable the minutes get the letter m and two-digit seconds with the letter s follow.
4h24
